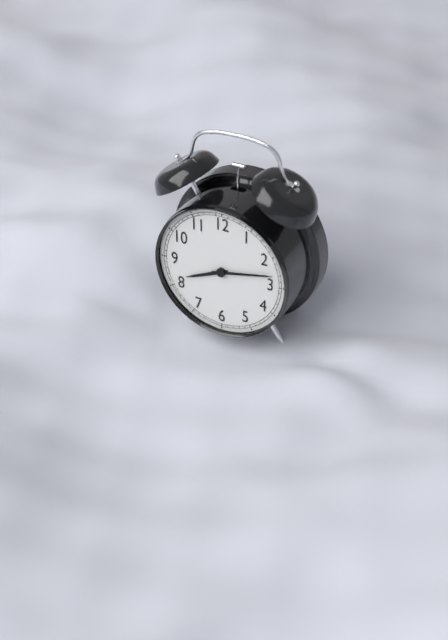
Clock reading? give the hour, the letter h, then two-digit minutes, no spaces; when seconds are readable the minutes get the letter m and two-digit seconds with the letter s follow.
8h13
